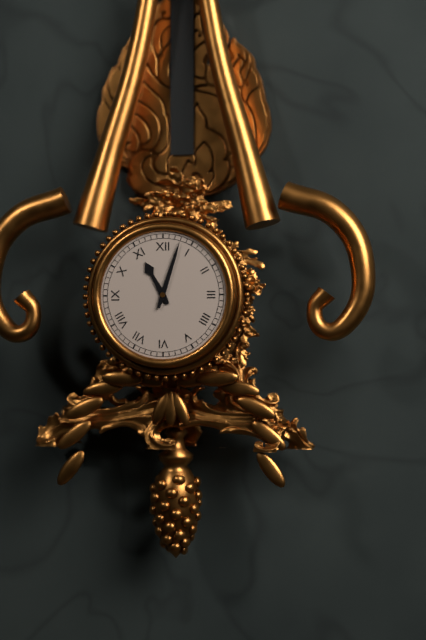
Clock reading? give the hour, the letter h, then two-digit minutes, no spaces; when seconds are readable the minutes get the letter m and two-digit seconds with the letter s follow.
11h03
